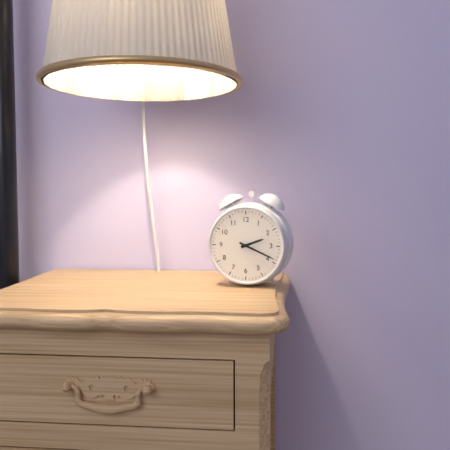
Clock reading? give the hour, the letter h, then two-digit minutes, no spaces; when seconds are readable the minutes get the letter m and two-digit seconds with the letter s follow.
2h19
